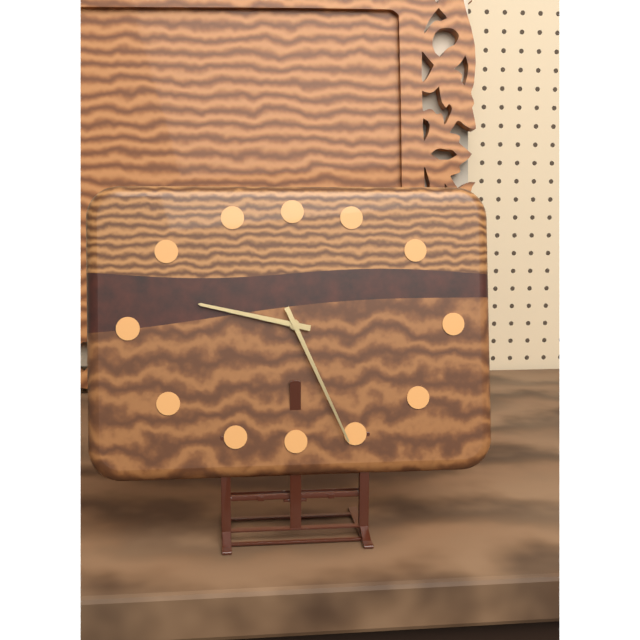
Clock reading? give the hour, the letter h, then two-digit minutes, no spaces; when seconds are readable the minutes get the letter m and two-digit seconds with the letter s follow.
9h26
